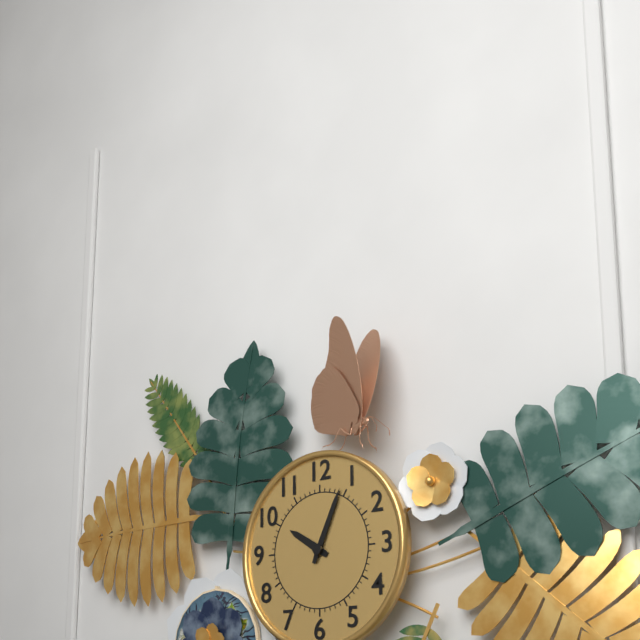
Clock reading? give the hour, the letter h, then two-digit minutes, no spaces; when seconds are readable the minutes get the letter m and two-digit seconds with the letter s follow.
10h04
